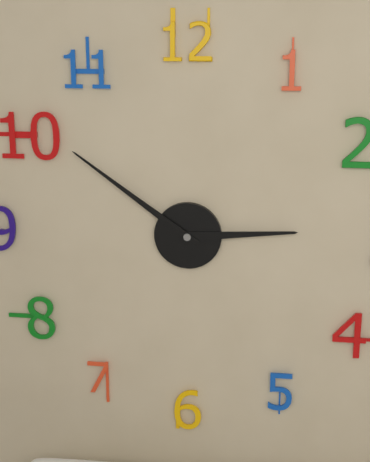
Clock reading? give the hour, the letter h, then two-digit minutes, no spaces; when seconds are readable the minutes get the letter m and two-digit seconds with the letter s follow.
2h51
